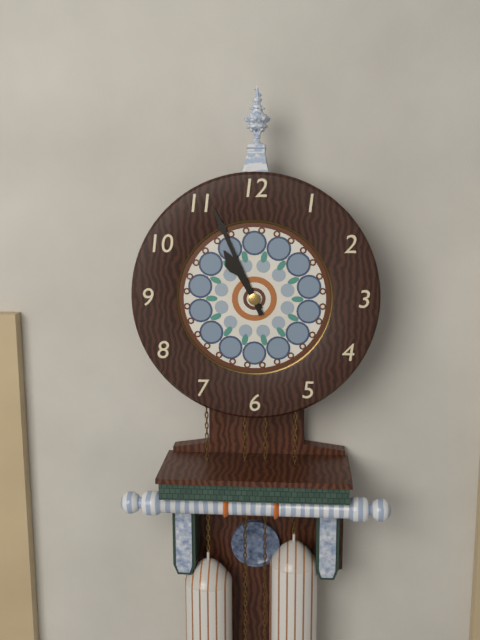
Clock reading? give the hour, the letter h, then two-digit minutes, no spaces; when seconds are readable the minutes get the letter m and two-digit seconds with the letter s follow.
10h56
